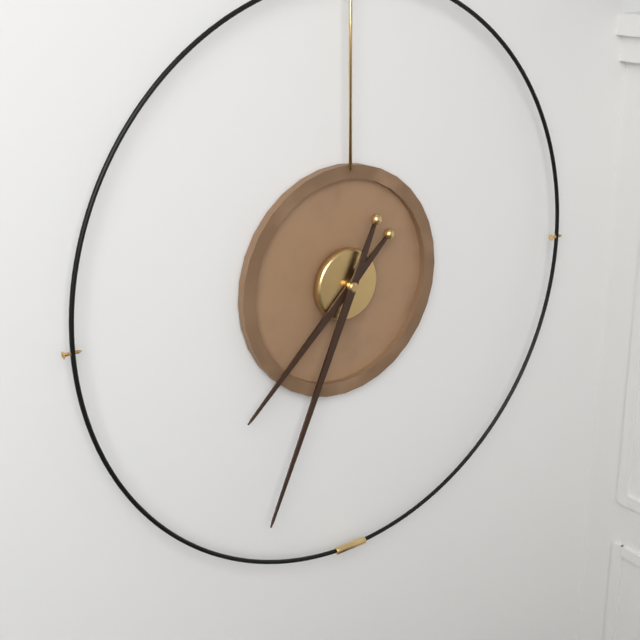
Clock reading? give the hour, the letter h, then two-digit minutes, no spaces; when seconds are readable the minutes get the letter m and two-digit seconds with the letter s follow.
7h34
